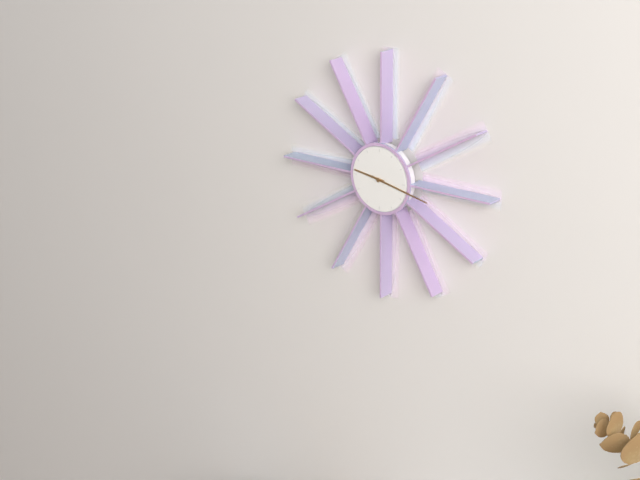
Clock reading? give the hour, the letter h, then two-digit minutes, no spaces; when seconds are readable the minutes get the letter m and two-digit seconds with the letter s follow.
9h17
